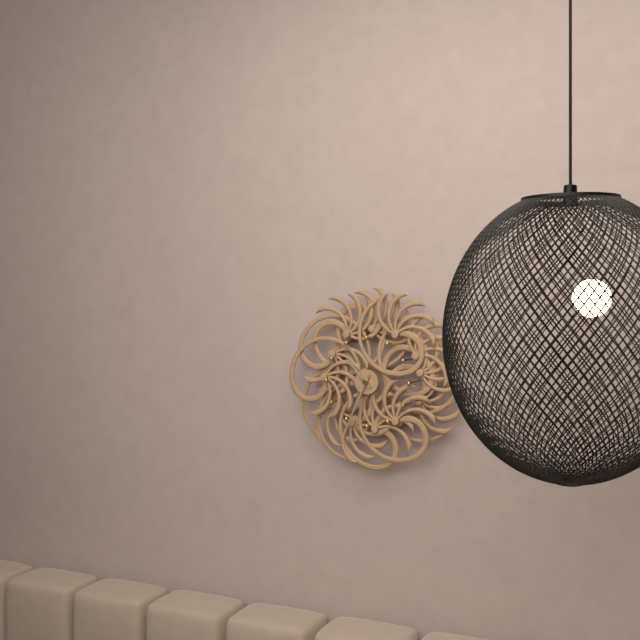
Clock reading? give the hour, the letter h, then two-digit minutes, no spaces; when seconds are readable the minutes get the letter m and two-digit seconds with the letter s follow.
10h34
